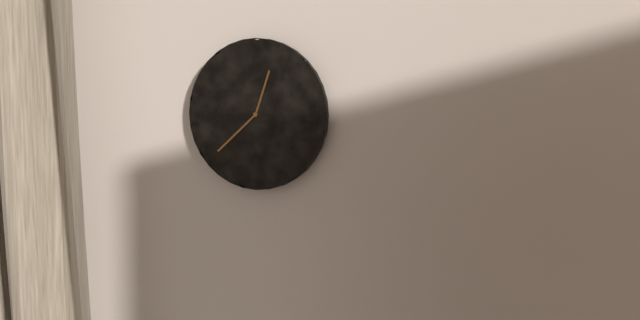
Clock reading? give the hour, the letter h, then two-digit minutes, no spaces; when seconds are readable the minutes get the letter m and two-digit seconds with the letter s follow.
12h38
